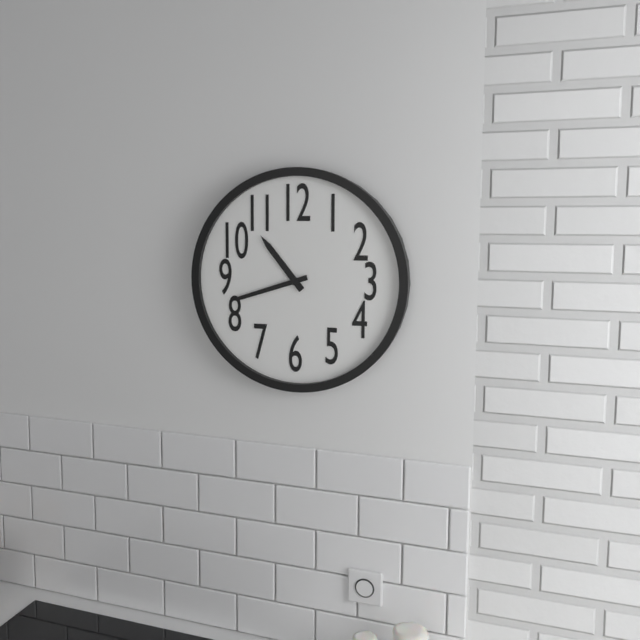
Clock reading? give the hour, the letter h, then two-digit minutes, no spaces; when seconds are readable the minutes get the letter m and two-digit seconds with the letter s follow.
10h42
